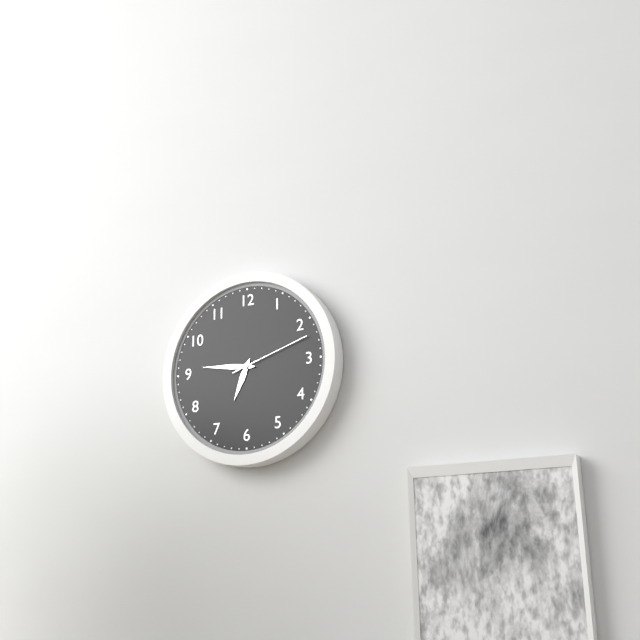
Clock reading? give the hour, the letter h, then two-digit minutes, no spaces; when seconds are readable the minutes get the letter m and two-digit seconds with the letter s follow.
6h46m12s
